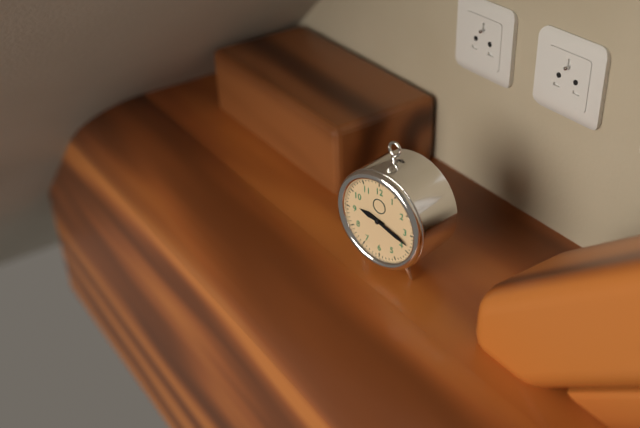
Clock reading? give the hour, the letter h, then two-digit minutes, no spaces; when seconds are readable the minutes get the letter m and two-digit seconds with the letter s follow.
9h18
